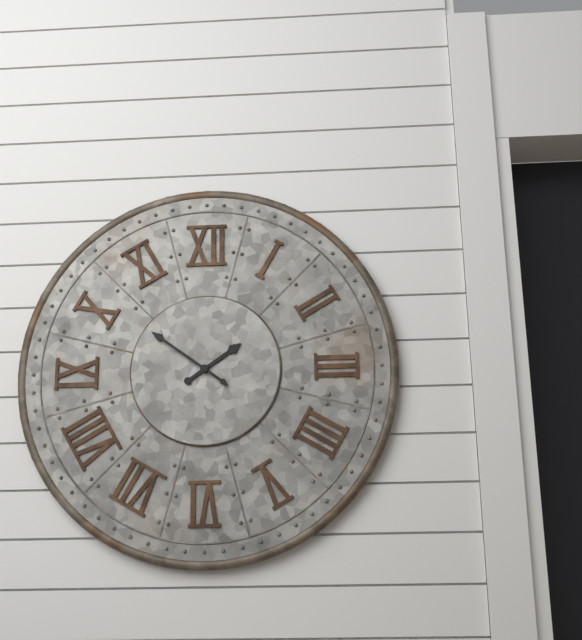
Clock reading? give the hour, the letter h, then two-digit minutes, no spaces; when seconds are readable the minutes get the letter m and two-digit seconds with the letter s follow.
1h51
